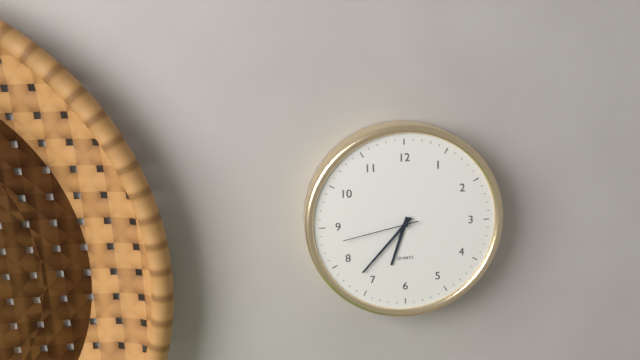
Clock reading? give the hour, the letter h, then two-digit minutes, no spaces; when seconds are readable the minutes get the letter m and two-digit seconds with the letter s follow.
6h37m43s
